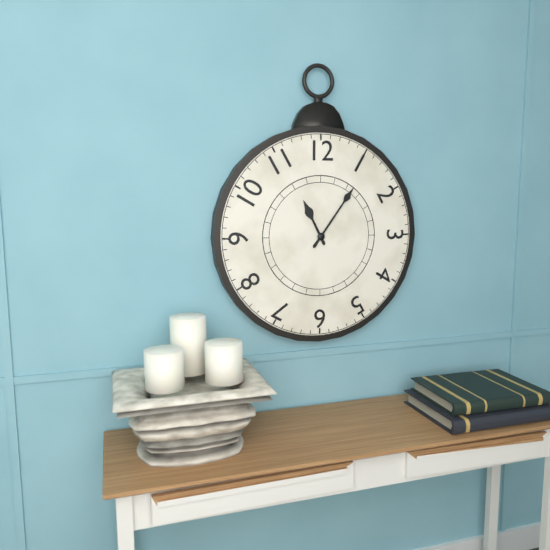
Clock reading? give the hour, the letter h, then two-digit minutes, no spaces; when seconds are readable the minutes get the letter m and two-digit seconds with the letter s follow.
11h06
